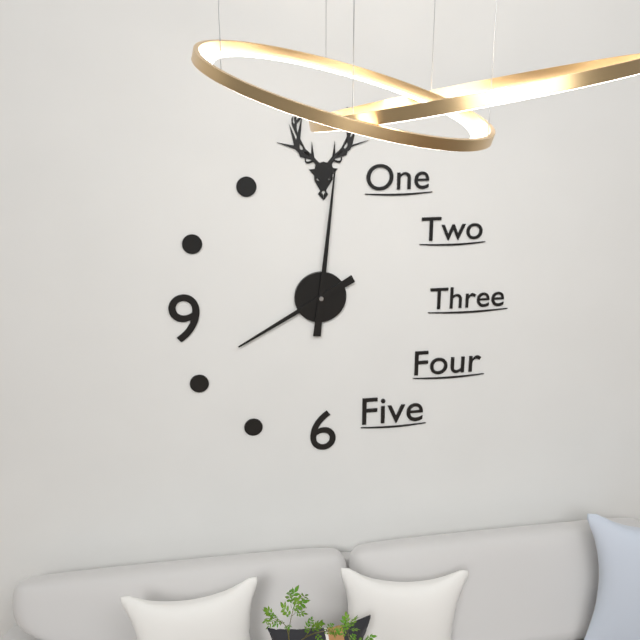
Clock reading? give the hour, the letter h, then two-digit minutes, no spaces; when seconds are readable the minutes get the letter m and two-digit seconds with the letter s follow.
8h01
